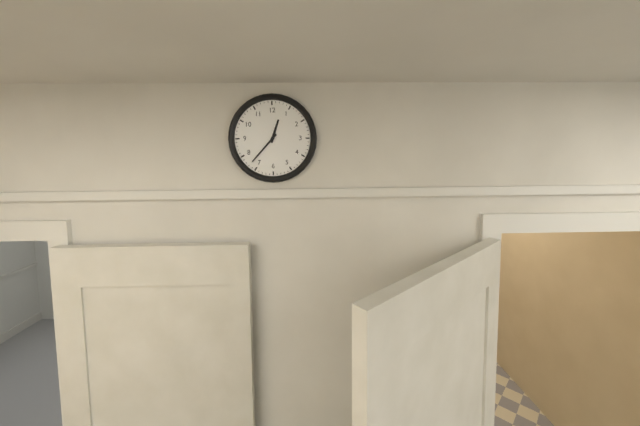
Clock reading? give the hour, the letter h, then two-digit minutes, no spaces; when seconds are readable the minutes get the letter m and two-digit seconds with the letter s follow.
12h37
